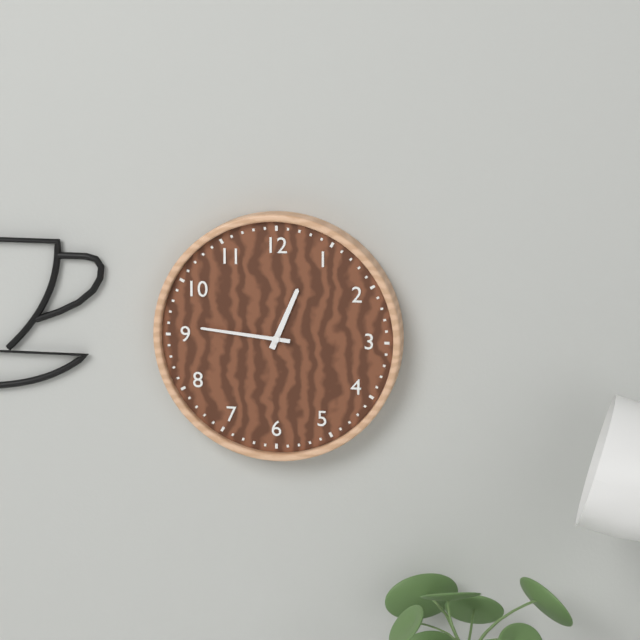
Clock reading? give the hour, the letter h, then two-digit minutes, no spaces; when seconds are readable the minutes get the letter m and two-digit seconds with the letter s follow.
12h46
